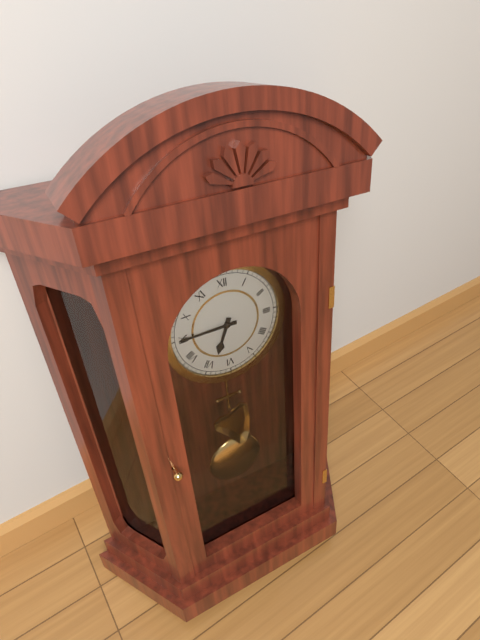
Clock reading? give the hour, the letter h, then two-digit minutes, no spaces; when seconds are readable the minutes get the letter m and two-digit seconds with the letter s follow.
6h45
